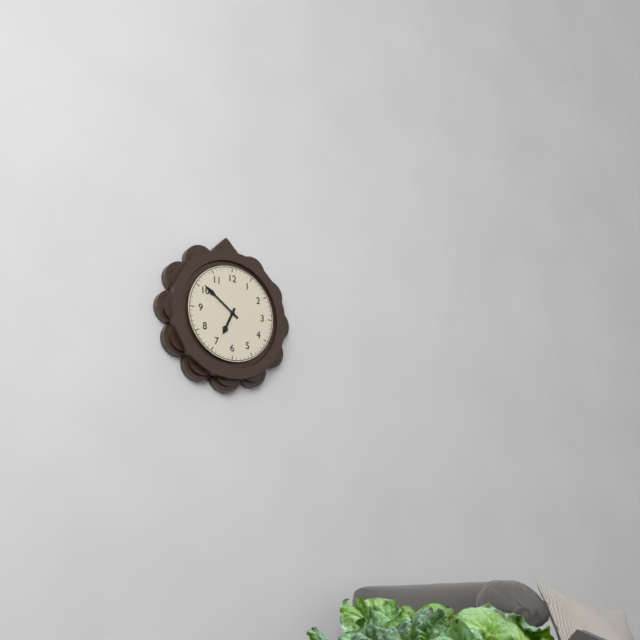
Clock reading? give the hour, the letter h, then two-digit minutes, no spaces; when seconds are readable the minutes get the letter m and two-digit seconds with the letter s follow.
6h51
